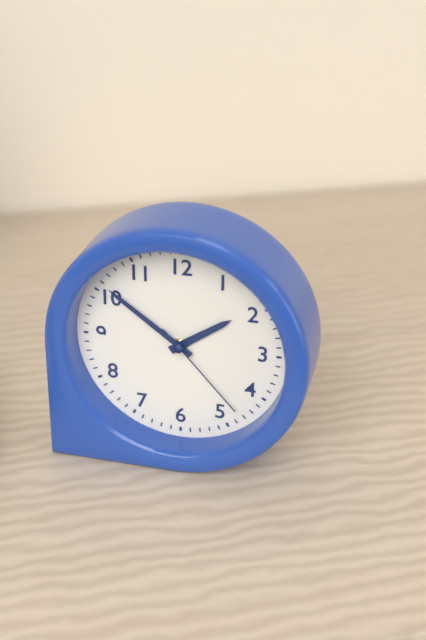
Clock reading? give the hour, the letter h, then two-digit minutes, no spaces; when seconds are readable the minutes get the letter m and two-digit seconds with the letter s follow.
1h51m23s
